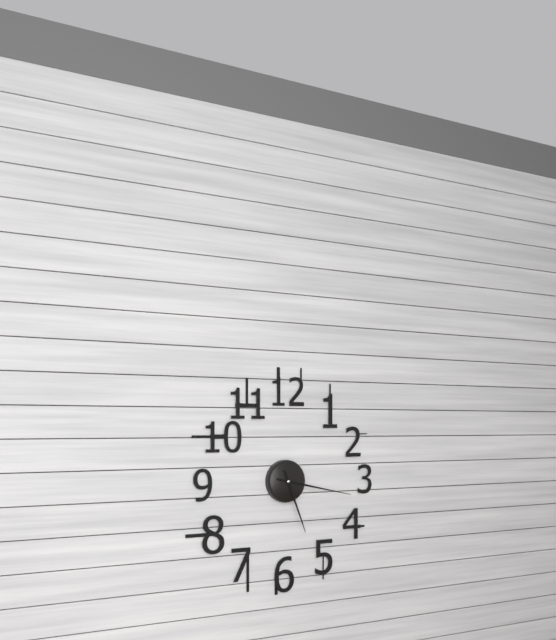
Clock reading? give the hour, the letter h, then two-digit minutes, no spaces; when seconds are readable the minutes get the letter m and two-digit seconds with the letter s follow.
5h17
